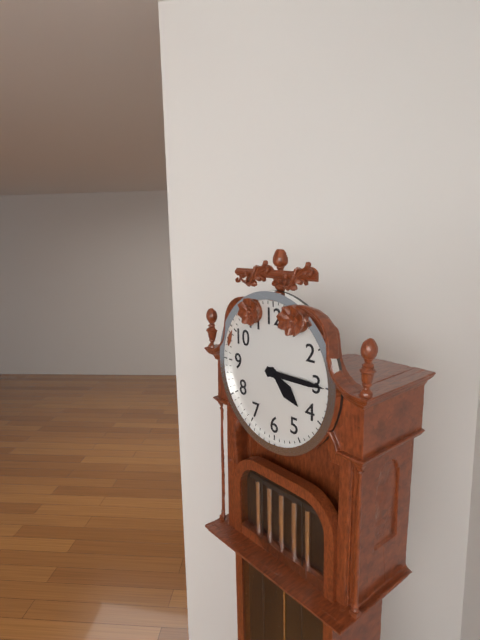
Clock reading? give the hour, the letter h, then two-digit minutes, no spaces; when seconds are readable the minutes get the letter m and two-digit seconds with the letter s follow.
4h15
